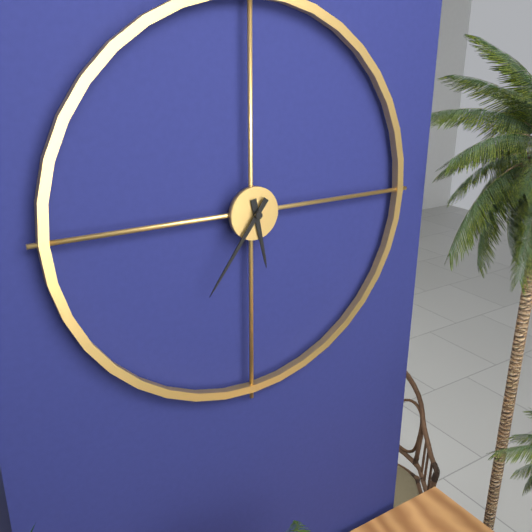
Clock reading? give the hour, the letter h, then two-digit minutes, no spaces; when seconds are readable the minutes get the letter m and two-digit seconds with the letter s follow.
5h36
